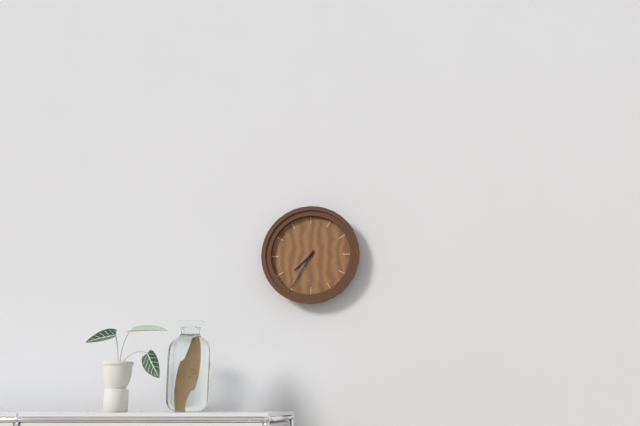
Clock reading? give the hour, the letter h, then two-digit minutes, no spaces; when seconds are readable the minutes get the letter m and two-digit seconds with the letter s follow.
7h35
